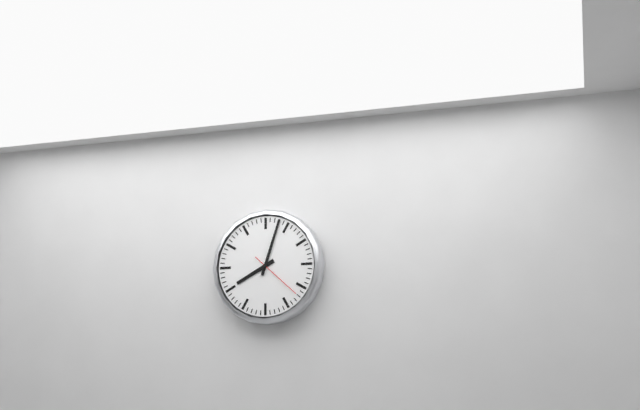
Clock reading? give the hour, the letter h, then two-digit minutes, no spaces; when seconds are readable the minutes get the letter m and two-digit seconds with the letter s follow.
8h03m22s
